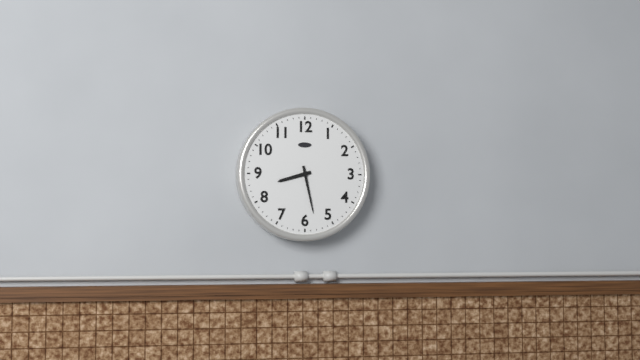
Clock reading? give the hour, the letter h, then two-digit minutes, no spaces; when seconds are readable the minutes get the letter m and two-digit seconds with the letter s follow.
8h28
